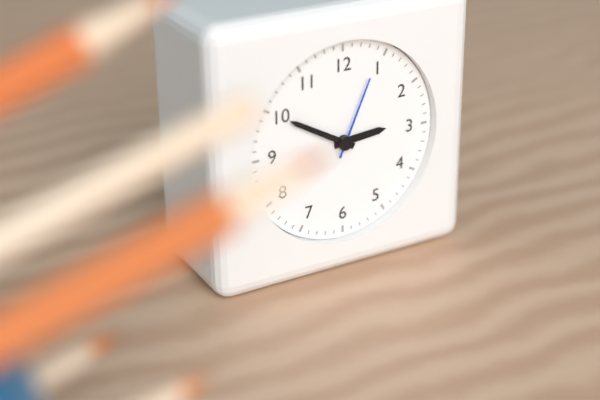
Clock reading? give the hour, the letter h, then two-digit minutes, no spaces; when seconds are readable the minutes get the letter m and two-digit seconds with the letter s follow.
2h50m04s
